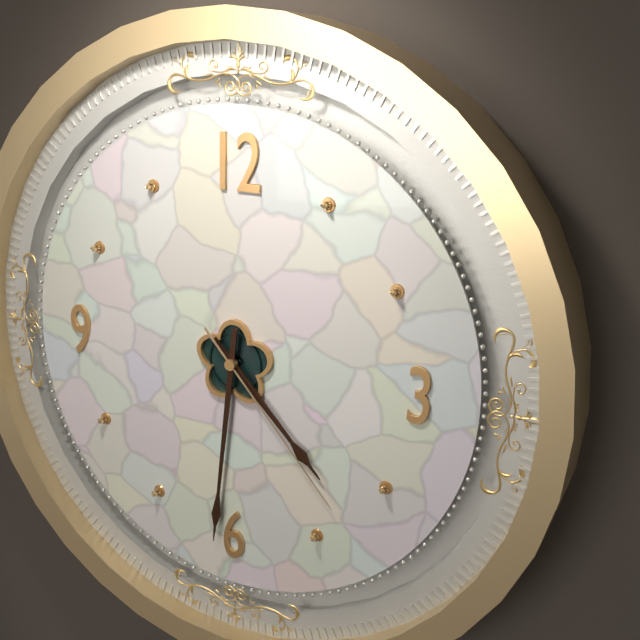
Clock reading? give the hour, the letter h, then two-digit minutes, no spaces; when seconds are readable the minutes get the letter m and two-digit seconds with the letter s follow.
4h31m23s
